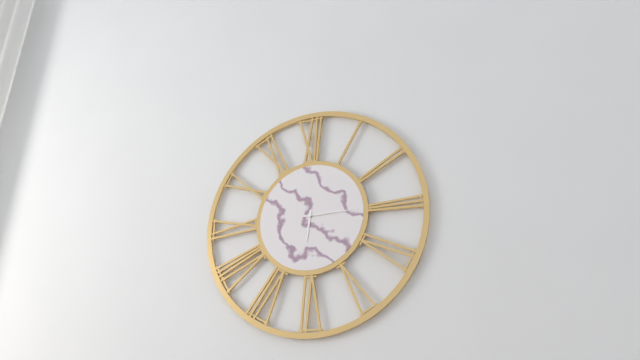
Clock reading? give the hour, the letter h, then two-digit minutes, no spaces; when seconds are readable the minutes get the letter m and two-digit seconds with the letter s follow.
6h15
